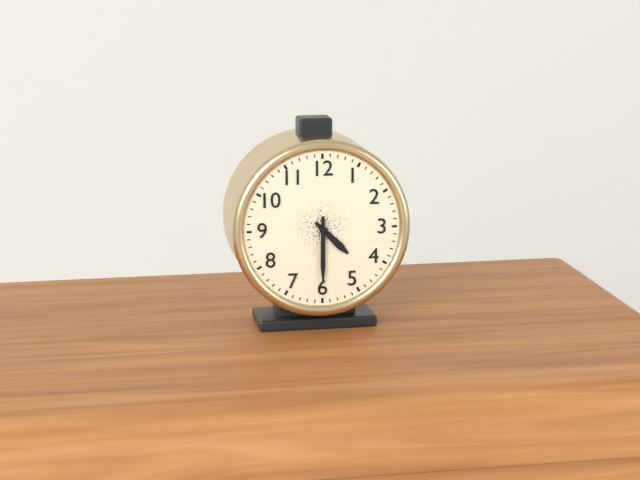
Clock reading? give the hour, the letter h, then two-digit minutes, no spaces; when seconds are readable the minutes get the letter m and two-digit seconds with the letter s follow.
4h30
